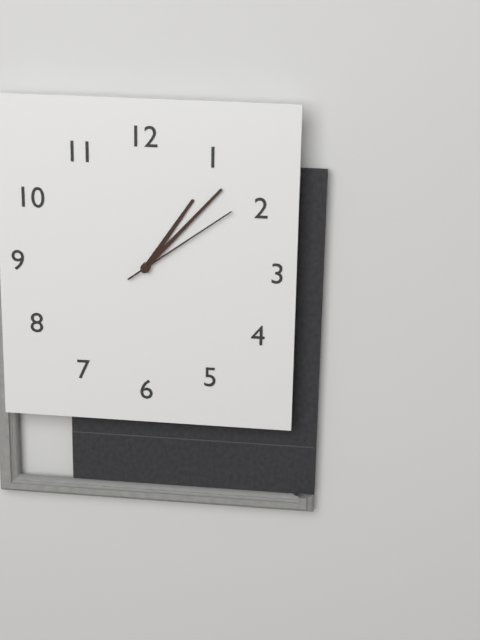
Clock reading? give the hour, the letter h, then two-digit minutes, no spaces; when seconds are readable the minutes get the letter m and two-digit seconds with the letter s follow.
1h07m09s
